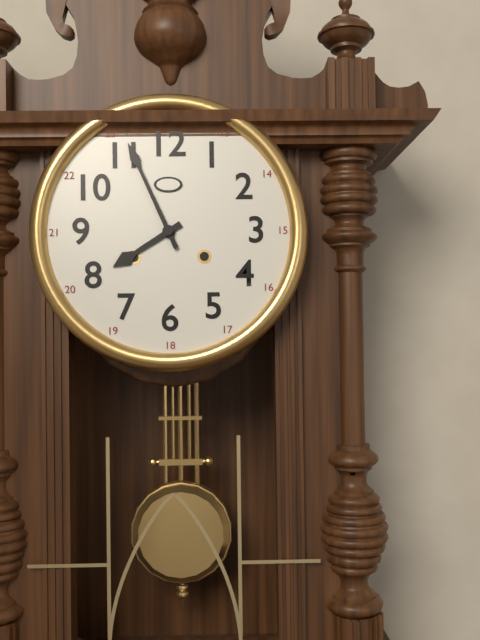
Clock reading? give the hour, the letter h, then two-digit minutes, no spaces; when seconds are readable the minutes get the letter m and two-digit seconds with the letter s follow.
7h56
